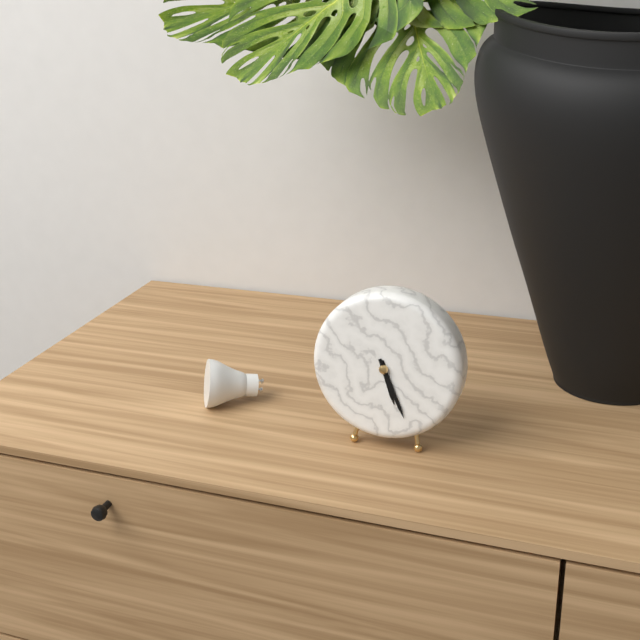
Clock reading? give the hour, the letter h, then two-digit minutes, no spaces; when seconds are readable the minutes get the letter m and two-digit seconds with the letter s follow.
5h26
